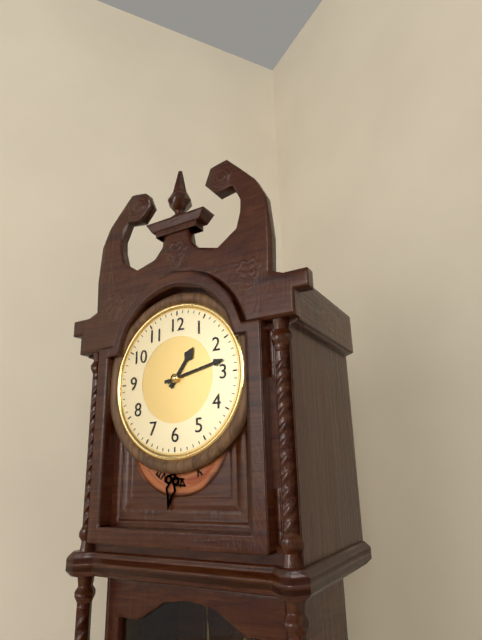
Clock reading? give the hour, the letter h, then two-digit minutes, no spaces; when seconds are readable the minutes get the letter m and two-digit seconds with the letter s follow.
1h13
